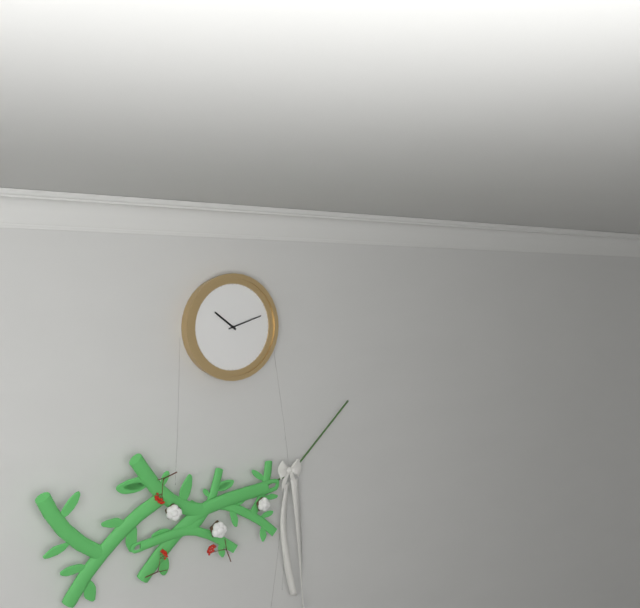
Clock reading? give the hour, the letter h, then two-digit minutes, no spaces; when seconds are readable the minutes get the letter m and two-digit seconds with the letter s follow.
10h12
